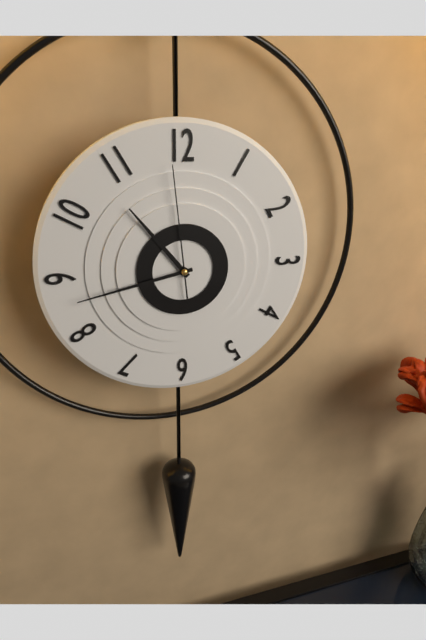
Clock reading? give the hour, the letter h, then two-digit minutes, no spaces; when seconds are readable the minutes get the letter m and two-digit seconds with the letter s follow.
10h43m59s
